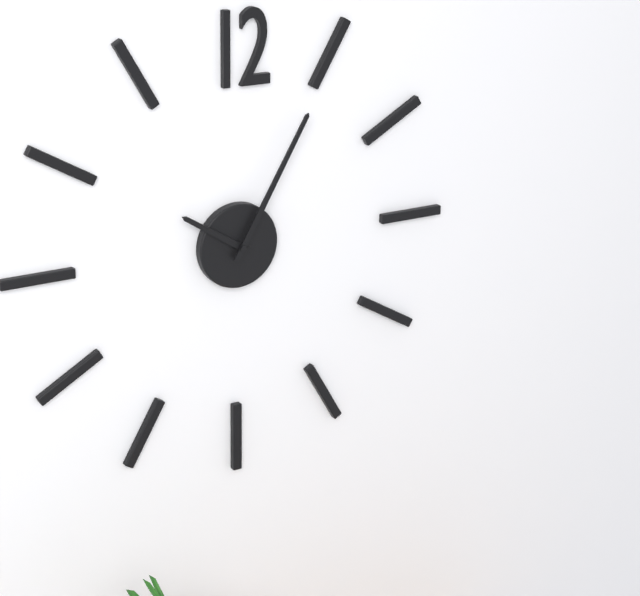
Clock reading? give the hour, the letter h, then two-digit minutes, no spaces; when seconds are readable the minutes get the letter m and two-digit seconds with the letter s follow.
10h05
